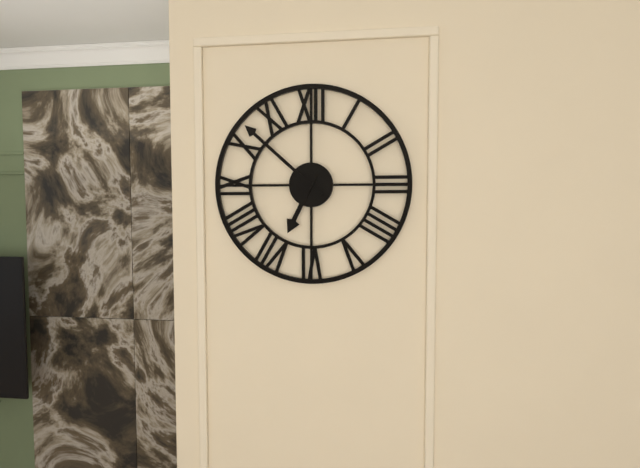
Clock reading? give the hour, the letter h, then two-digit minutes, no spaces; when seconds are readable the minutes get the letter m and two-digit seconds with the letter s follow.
6h52
